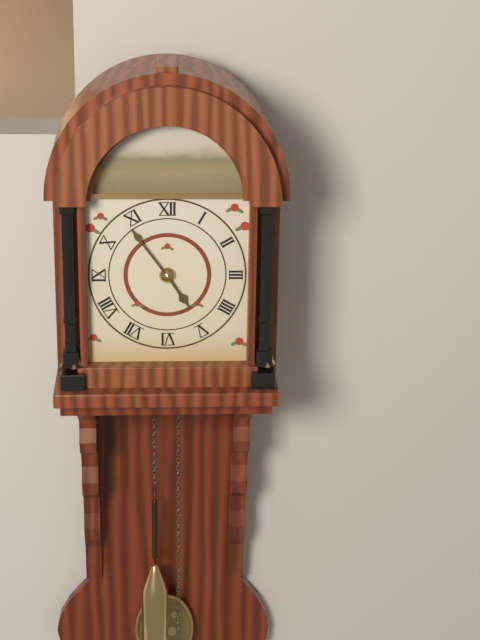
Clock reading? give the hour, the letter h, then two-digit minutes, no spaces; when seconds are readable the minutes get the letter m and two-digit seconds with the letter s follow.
4h54
